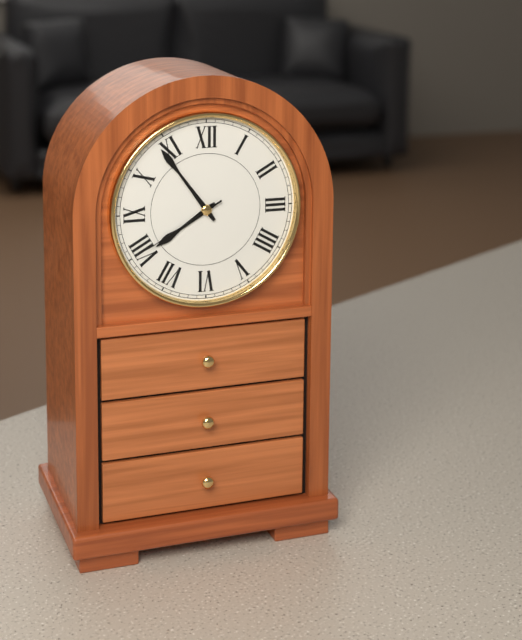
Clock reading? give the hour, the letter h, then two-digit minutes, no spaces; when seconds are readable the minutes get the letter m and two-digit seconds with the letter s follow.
7h54m40s
